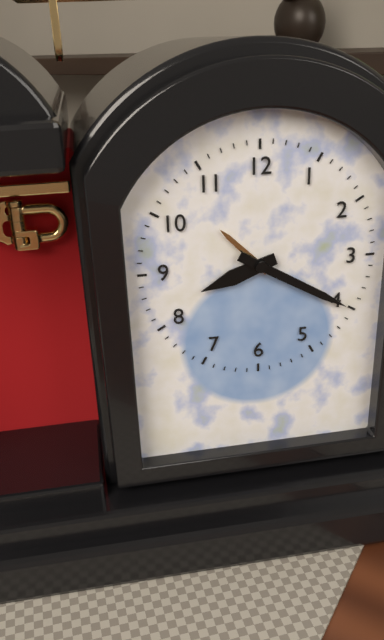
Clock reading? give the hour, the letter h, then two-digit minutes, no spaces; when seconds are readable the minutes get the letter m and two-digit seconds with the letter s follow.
8h20
